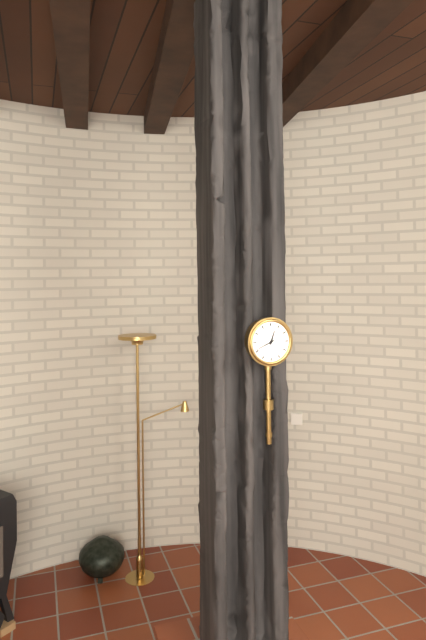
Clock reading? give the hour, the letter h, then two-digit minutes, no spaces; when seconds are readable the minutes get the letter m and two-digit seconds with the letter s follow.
12h41
